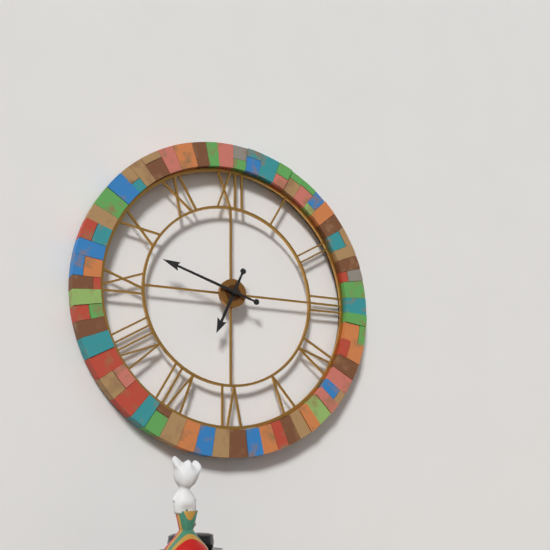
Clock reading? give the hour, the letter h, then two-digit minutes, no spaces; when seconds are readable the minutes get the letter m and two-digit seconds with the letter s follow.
6h48
